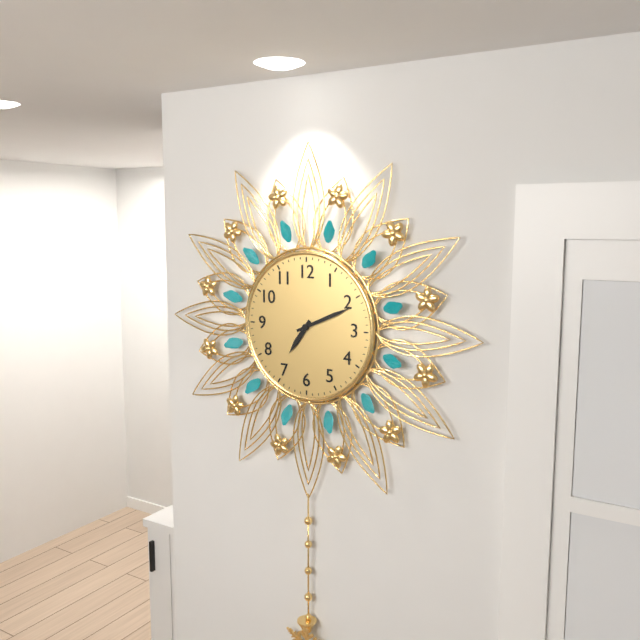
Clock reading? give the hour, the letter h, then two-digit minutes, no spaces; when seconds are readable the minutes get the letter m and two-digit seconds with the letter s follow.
7h11
